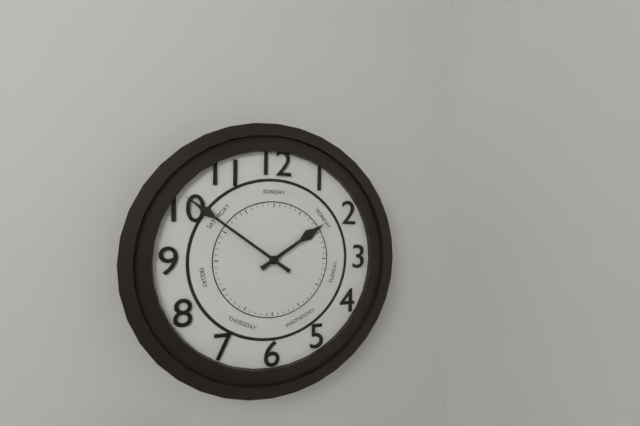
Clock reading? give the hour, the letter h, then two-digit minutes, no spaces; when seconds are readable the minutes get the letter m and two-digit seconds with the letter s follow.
1h51
